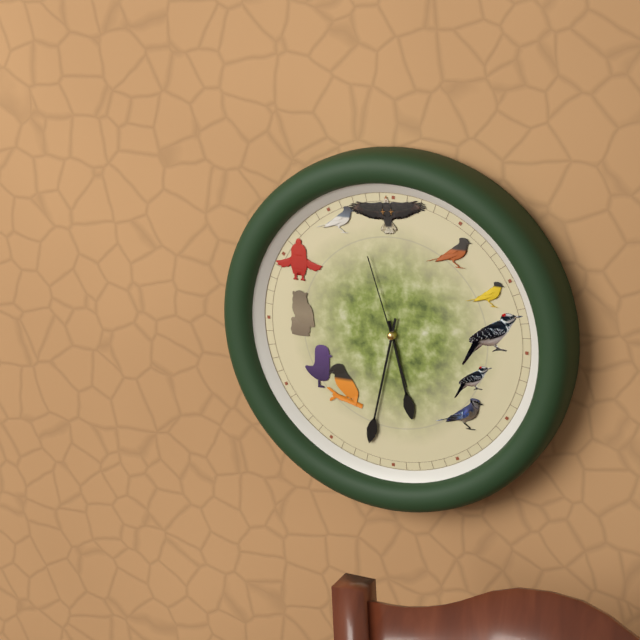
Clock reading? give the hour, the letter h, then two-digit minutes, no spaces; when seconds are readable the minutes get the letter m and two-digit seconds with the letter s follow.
5h32m57s
